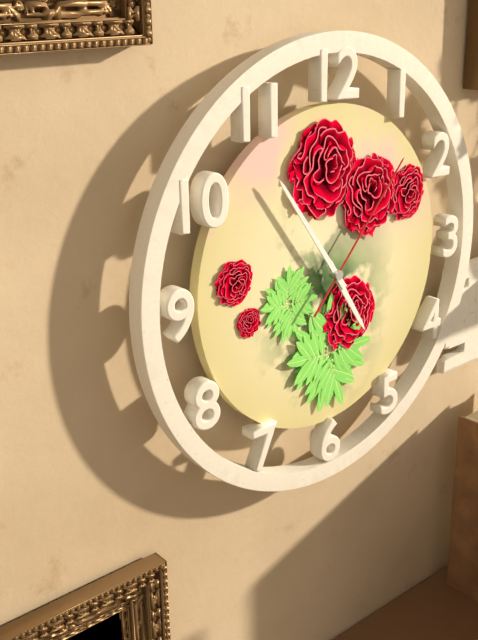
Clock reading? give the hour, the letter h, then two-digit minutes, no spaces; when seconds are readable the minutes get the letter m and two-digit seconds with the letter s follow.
4h54m07s
